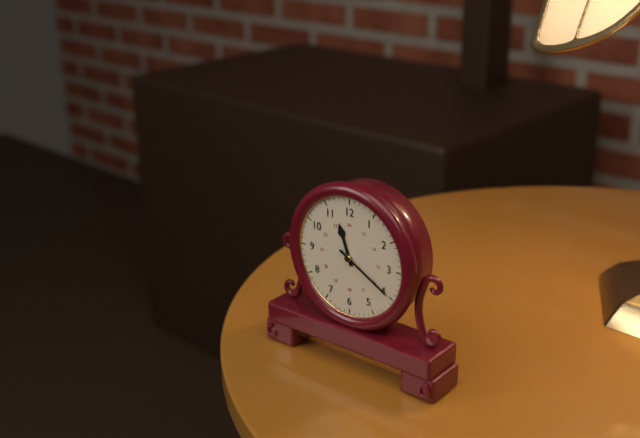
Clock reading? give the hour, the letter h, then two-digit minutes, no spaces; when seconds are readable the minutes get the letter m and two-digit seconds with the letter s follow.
11h20
